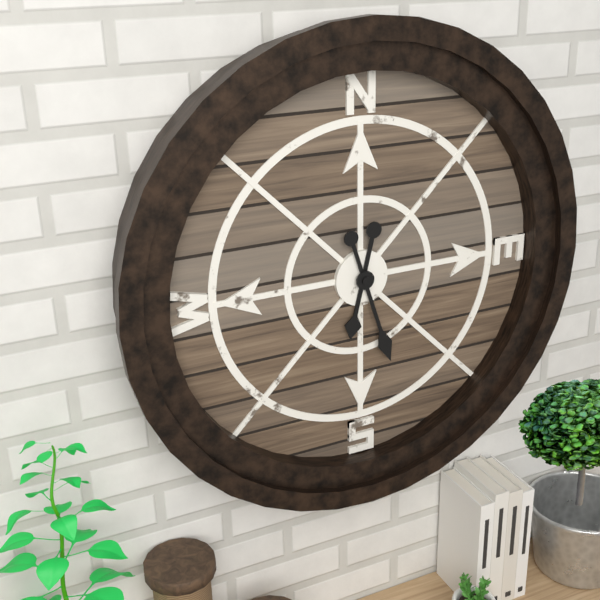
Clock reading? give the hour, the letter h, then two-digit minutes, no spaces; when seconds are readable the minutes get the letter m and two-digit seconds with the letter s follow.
6h27
